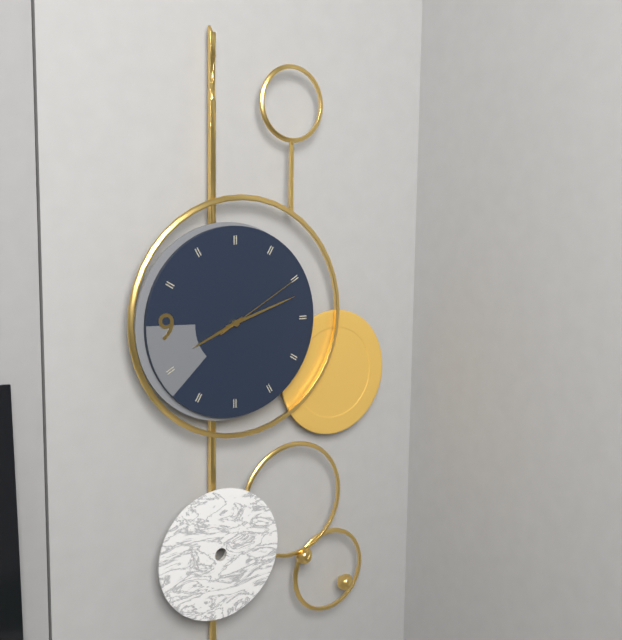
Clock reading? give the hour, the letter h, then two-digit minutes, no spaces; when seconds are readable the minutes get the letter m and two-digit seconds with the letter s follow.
8h12m10s
